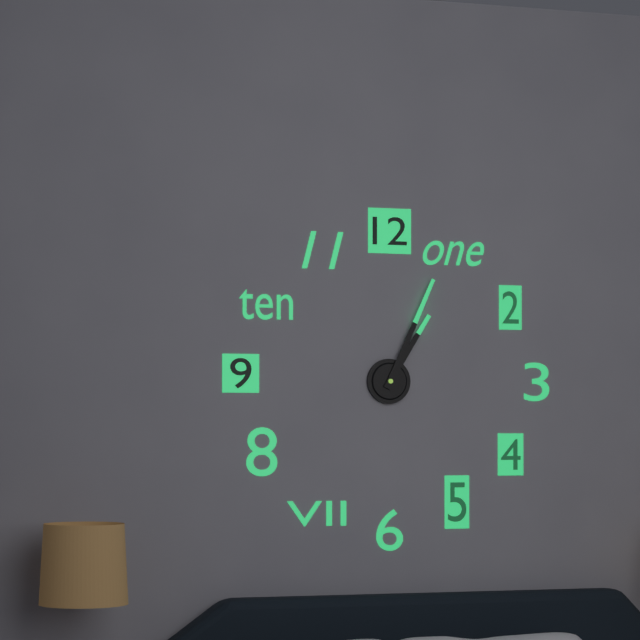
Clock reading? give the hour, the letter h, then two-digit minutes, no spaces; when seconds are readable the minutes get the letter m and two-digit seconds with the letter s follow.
1h04
